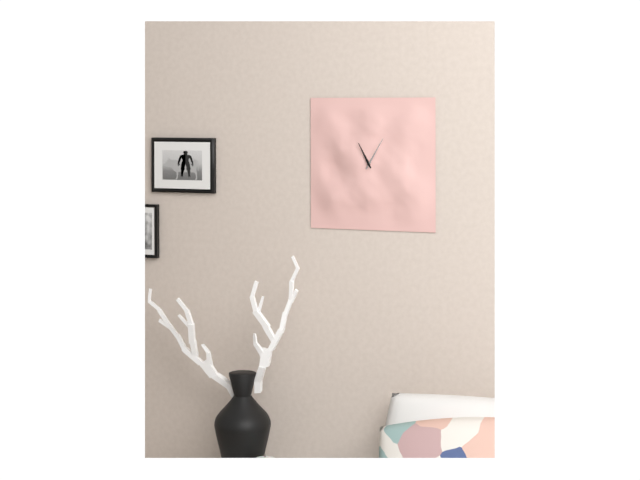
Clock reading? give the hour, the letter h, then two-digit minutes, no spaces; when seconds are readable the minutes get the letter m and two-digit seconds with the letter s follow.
11h05
